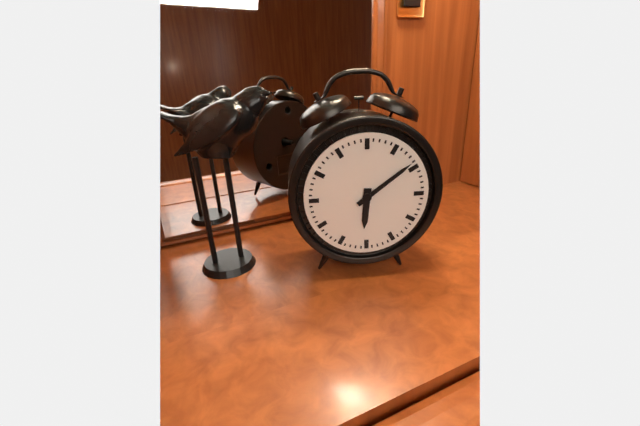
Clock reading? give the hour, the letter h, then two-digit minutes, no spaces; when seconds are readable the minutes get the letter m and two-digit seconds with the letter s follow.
6h09
